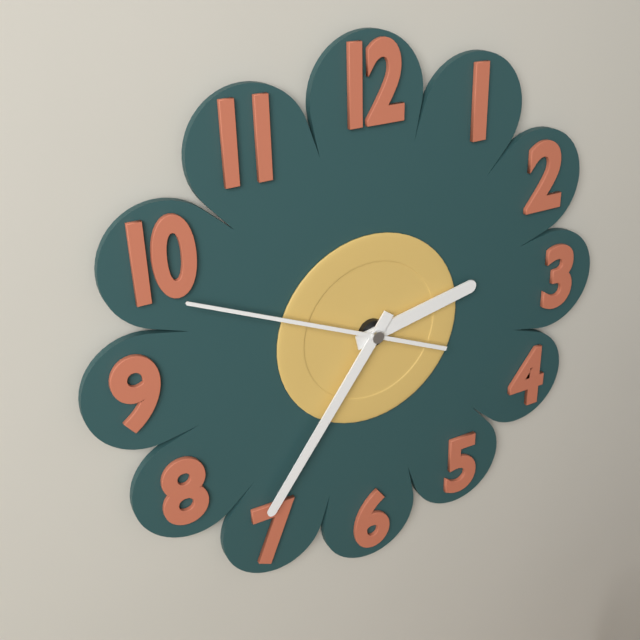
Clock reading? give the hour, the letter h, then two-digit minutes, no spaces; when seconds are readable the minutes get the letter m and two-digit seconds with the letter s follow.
2h36m49s
